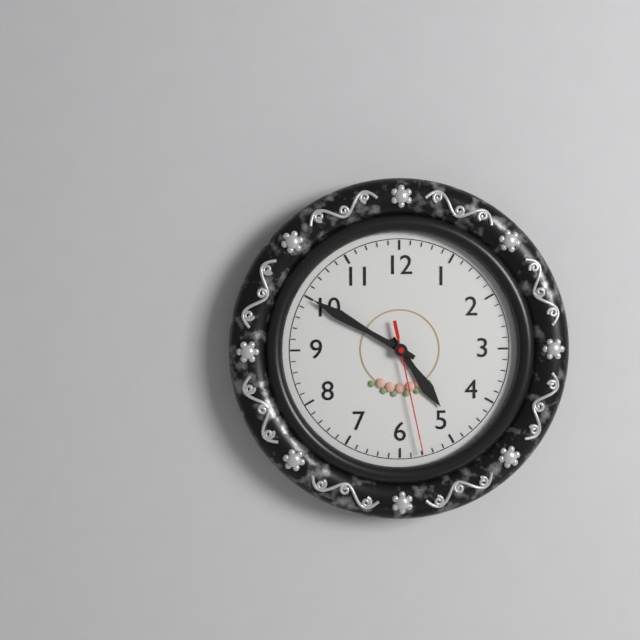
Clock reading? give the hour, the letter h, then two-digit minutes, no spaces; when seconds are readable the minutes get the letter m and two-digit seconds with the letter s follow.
4h50m28s
